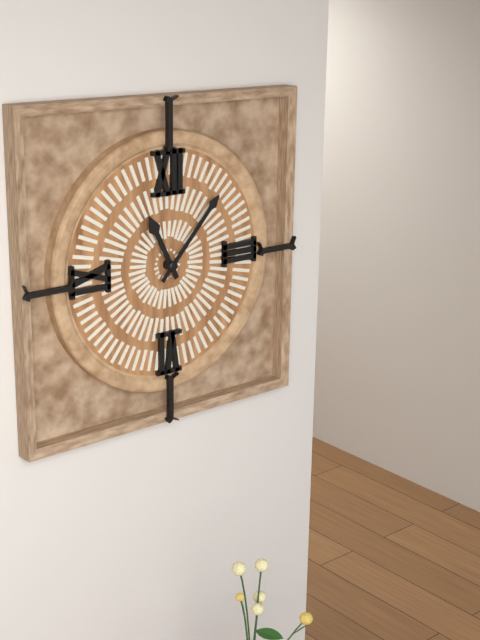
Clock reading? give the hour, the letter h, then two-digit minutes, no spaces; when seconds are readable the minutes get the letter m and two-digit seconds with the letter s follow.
11h07
